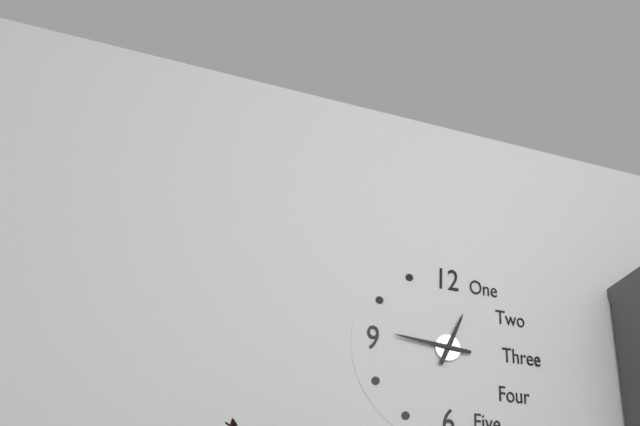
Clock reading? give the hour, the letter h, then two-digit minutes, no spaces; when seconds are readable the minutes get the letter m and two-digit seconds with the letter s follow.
12h46
